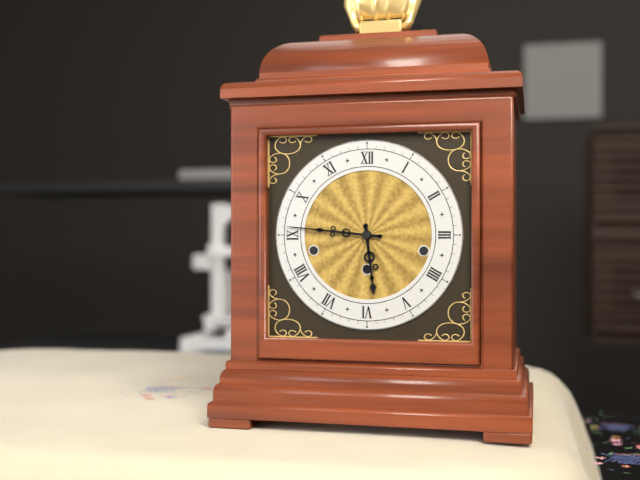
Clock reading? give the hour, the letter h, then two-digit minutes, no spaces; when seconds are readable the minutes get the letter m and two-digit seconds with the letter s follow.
5h46
